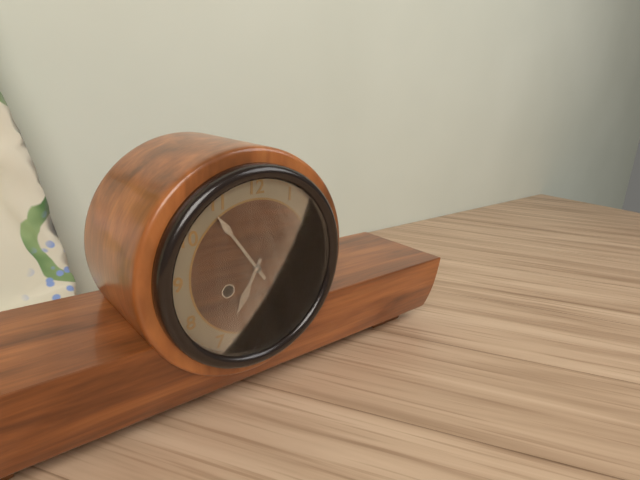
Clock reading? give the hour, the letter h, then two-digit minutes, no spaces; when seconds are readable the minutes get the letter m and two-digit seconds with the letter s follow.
6h54
